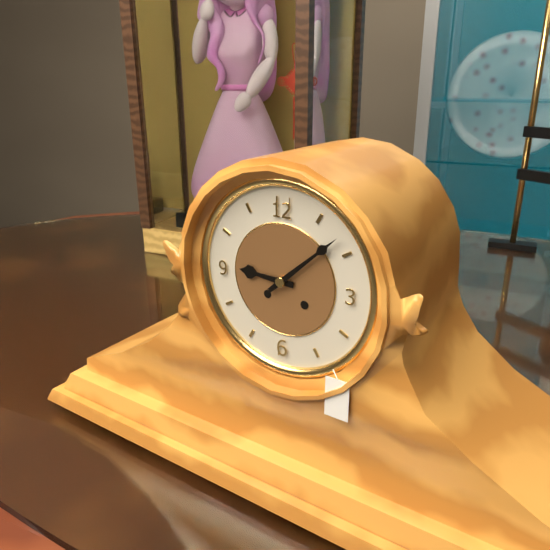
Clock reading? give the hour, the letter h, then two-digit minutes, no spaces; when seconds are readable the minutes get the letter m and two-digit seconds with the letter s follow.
9h08
